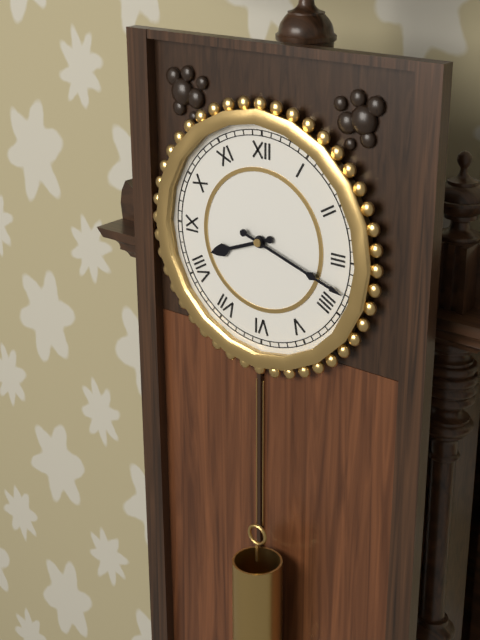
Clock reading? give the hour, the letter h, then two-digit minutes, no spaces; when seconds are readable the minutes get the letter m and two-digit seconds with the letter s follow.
8h18
